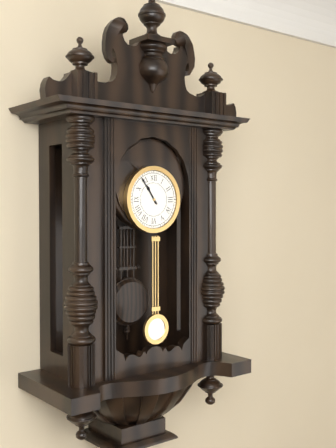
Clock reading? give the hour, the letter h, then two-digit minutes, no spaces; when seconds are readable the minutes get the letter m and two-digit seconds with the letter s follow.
10h54
